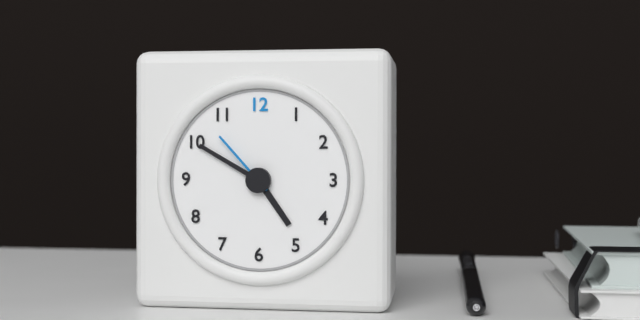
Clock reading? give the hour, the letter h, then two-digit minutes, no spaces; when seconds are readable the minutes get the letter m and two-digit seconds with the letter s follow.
4h50m53s
